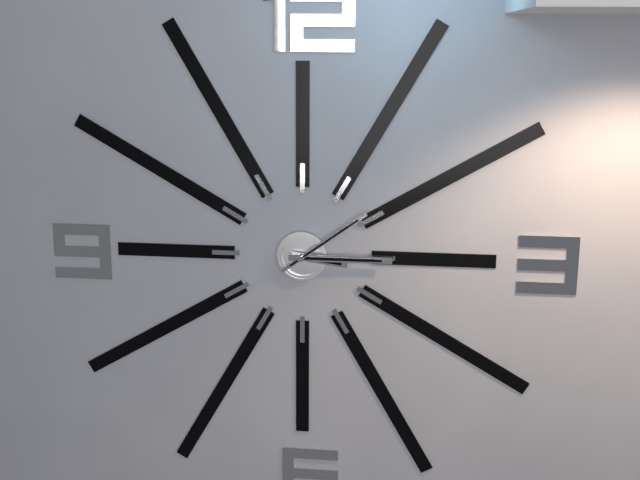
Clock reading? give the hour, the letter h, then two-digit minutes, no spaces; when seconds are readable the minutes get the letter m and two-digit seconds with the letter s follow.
3h15m09s
